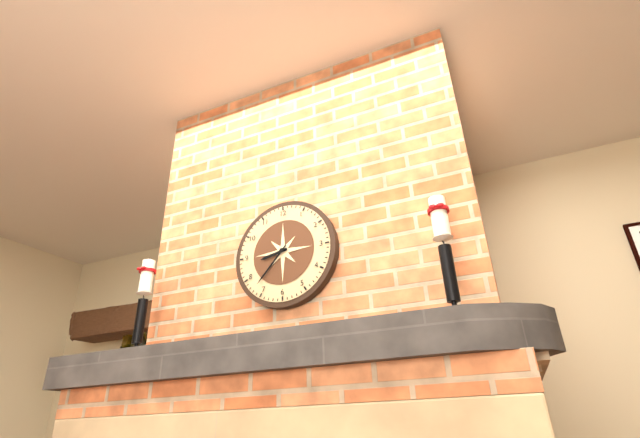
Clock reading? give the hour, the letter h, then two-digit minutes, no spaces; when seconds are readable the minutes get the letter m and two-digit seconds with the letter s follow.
8h37
